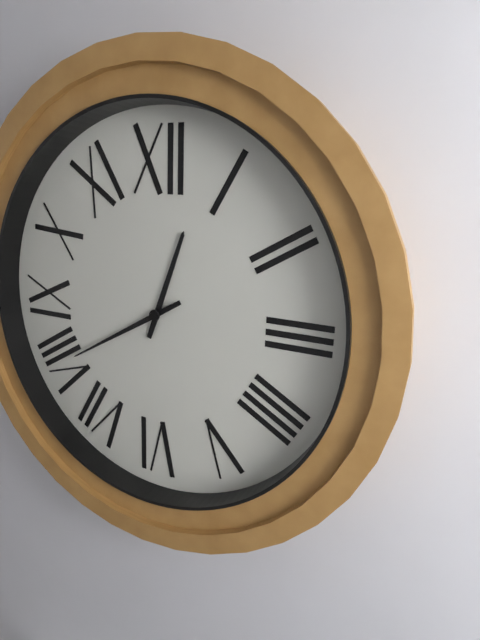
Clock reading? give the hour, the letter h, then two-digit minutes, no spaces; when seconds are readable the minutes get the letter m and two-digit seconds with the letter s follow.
12h40
